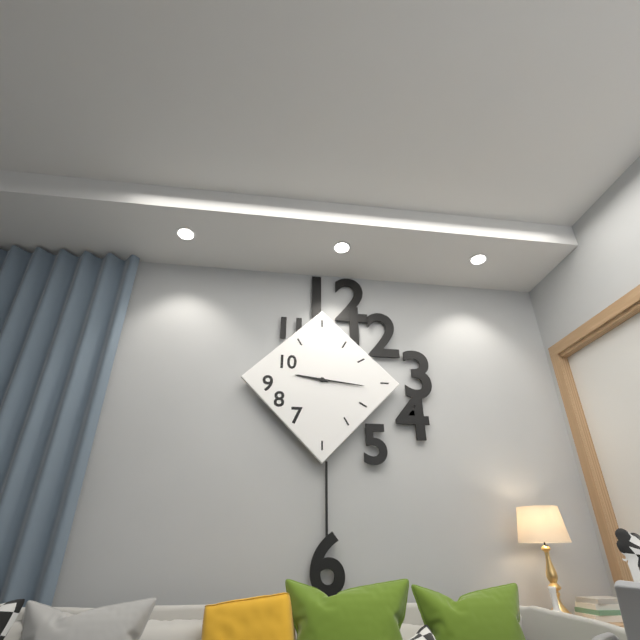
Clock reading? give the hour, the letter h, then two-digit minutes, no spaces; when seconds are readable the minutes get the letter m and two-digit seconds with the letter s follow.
9h16
